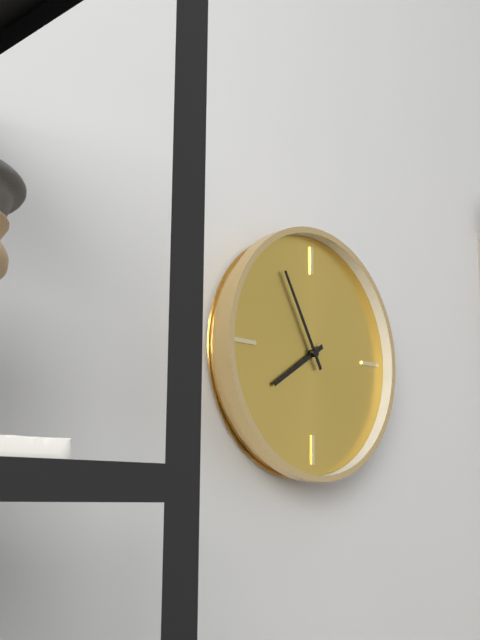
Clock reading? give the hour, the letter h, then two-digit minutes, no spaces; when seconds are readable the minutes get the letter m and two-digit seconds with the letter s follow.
7h55
